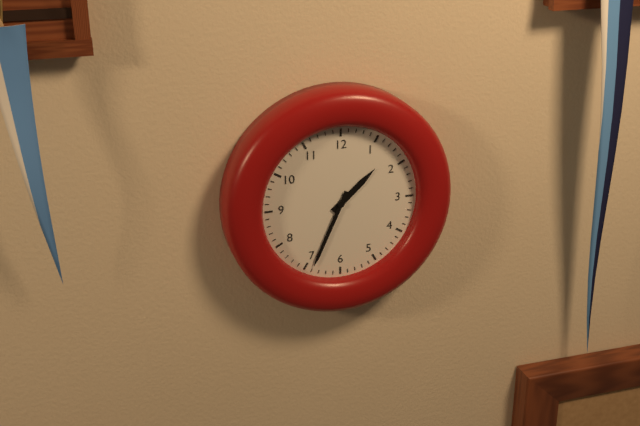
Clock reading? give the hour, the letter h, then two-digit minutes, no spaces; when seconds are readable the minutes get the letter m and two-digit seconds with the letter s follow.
1h34
